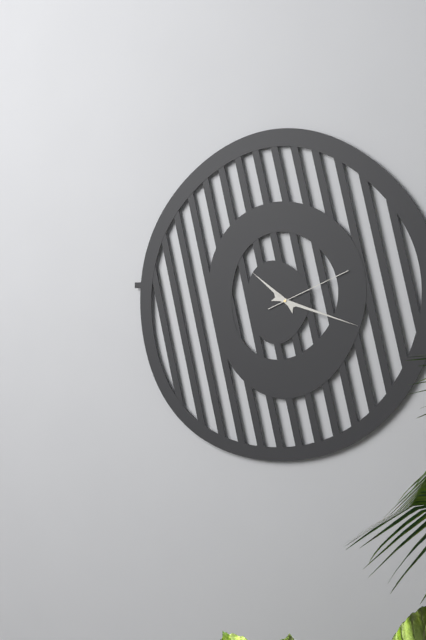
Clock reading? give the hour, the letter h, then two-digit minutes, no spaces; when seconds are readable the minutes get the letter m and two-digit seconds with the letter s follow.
10h18m11s
